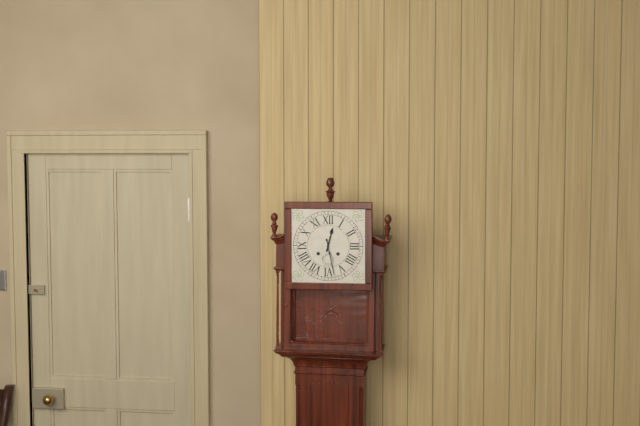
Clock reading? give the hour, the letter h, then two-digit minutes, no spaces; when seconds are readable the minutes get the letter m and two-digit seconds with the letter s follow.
12h28
